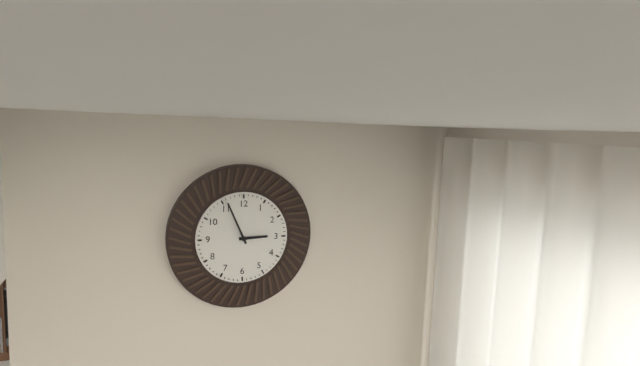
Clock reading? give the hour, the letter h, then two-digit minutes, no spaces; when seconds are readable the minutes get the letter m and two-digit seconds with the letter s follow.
2h56
